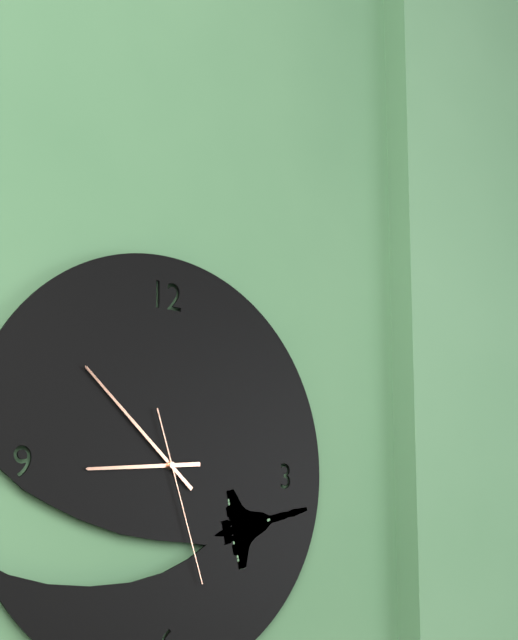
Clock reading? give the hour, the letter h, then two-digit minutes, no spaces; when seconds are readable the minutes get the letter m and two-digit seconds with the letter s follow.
8h52m27s
